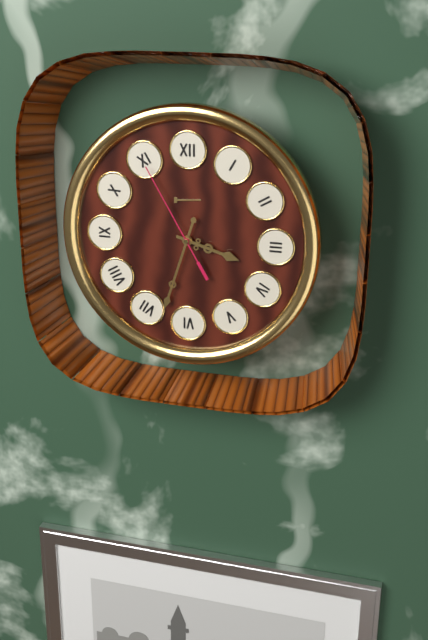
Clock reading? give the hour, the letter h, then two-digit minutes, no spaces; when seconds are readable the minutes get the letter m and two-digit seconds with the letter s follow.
3h33m55s
